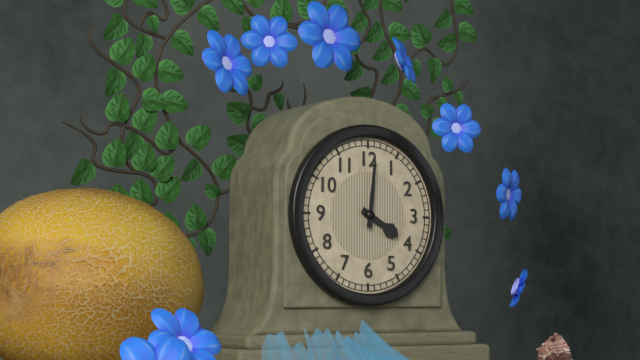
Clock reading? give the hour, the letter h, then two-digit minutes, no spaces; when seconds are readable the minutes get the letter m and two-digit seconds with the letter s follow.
4h01
